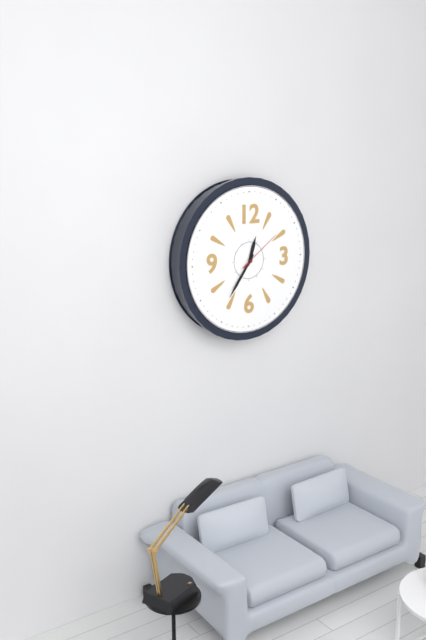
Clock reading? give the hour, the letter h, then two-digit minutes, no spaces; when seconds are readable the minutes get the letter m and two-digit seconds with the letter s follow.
12h36
